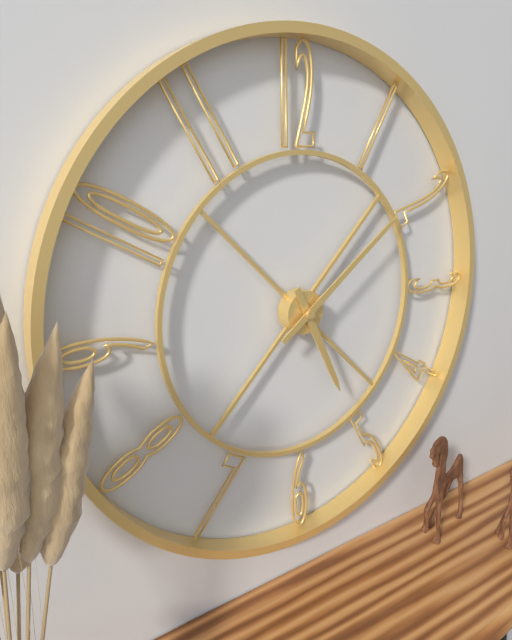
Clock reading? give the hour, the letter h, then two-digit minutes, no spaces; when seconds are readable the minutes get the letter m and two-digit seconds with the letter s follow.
5h09
